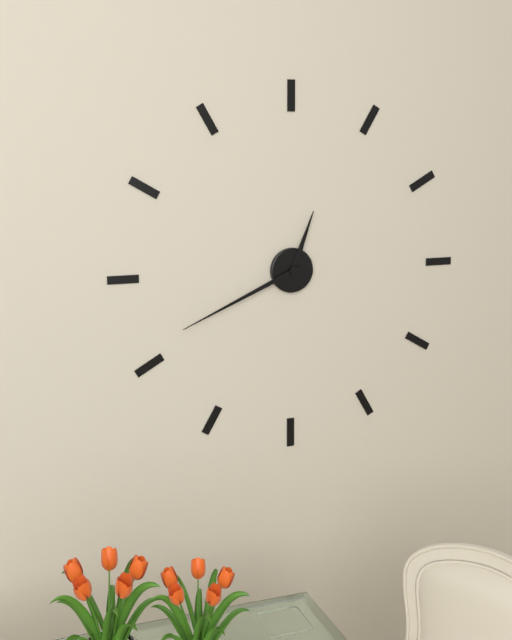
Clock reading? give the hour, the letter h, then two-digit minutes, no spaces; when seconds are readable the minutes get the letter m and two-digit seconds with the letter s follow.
12h41
